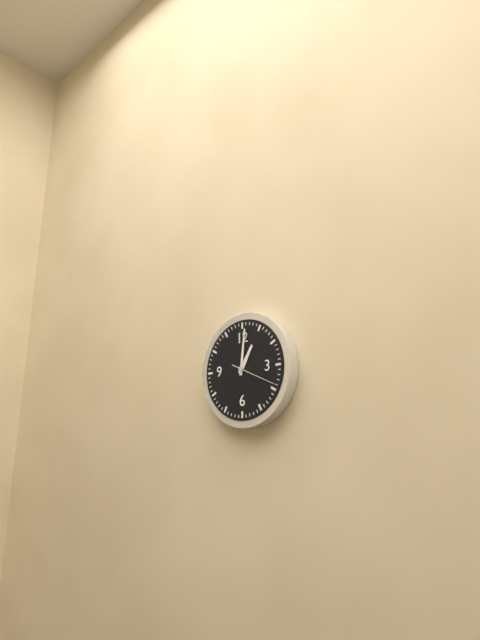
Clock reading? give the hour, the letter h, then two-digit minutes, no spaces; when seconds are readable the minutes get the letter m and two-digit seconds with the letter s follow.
1h01
